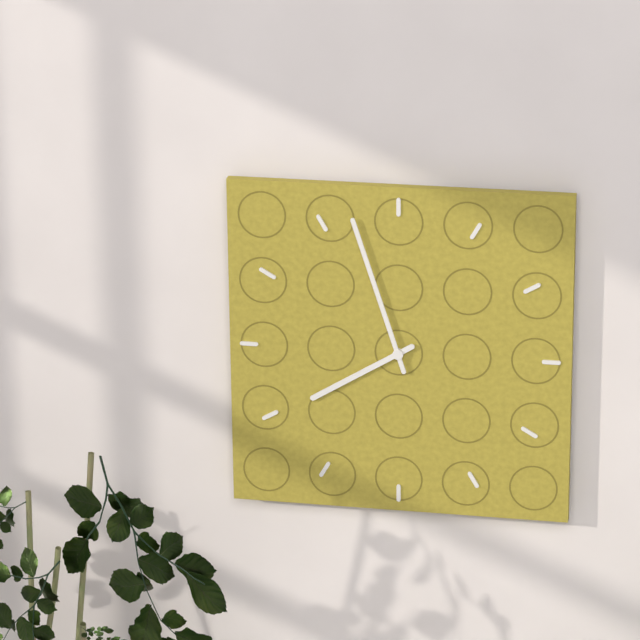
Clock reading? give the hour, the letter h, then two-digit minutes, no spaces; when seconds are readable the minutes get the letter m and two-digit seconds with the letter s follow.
7h57
